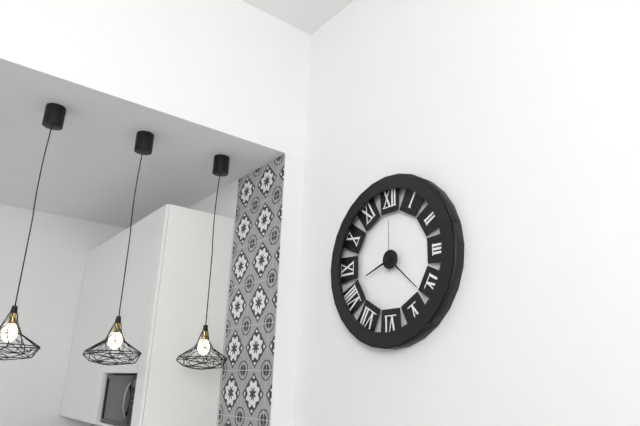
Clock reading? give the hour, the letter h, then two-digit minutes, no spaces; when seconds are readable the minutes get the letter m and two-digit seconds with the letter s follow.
8h22m00s
